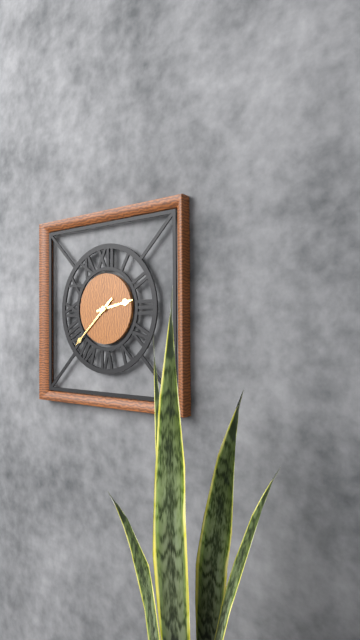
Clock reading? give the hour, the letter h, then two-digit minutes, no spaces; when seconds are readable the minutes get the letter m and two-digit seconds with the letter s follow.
2h38
